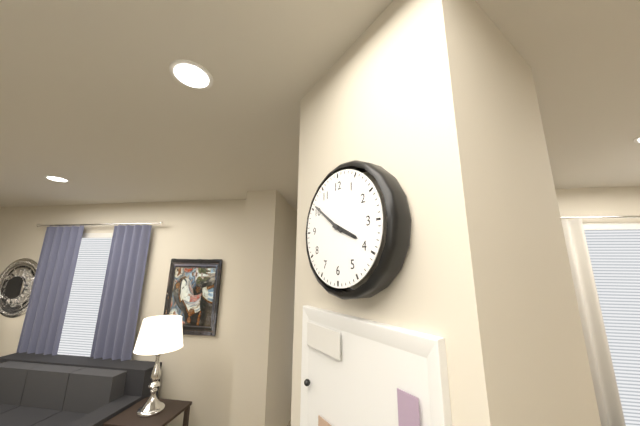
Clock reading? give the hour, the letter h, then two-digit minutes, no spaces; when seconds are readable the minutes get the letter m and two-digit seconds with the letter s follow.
3h51
